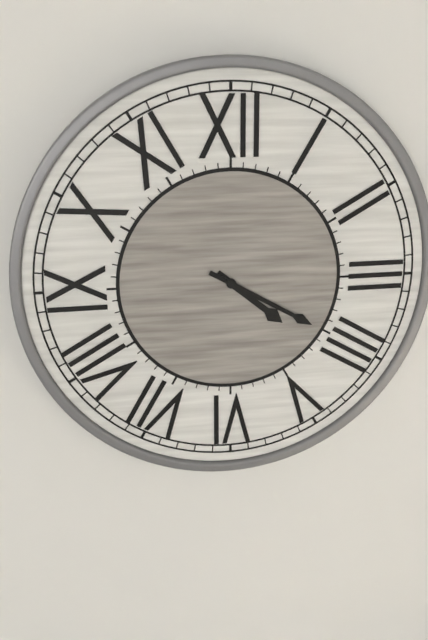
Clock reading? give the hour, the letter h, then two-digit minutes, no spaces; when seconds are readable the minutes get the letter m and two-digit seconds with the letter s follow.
4h20
